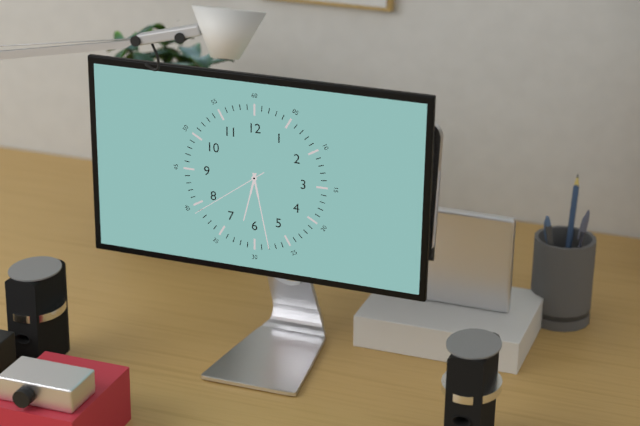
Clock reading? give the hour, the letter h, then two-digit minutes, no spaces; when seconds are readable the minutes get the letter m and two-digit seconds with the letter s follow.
6h28m39s
